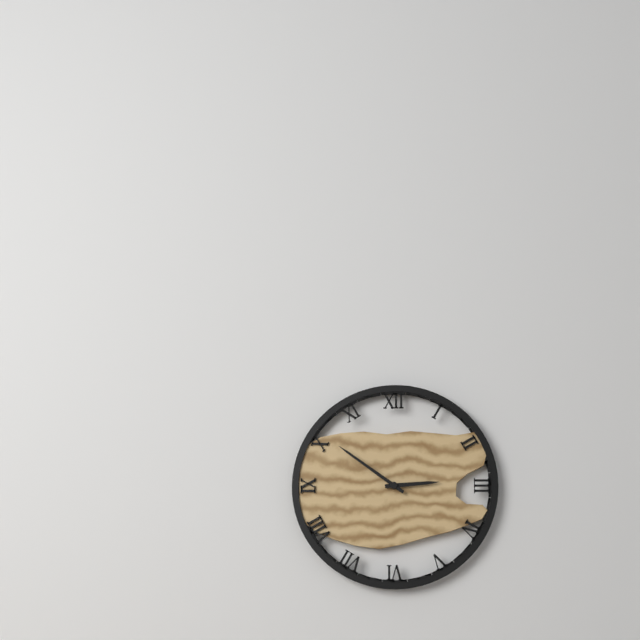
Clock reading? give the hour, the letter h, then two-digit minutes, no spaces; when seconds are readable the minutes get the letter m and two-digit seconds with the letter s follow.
2h51
